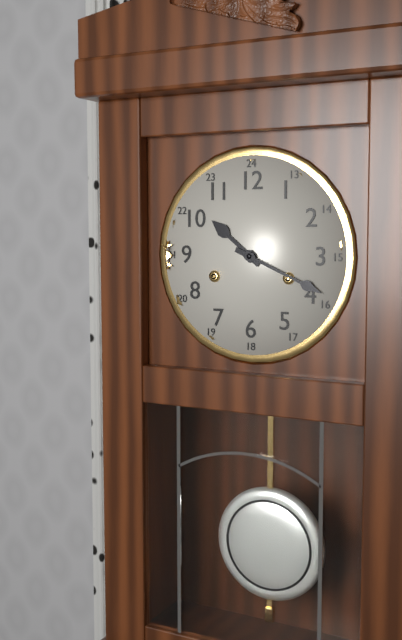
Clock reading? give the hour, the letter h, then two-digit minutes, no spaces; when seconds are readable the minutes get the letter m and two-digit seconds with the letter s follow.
10h19
